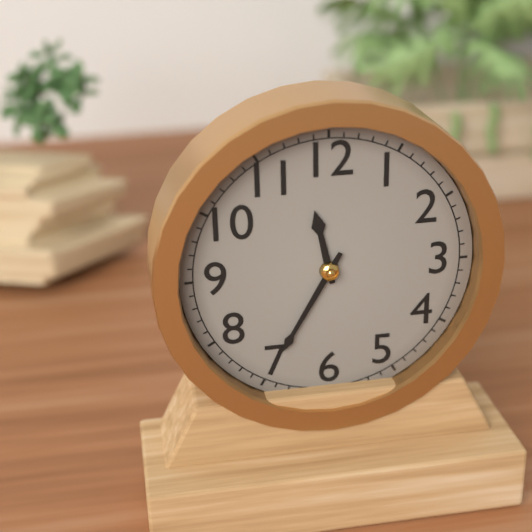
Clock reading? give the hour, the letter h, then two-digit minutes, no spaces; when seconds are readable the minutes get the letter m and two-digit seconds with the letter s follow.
11h35
